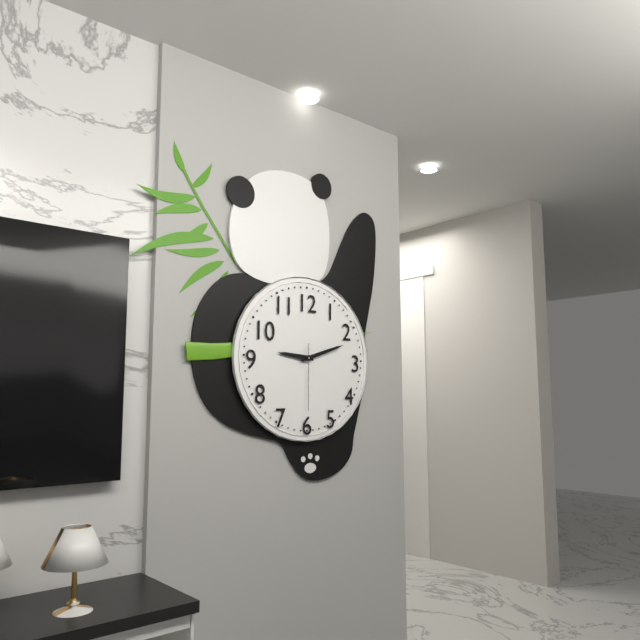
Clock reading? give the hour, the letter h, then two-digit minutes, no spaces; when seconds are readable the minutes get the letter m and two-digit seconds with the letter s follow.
9h12m30s
